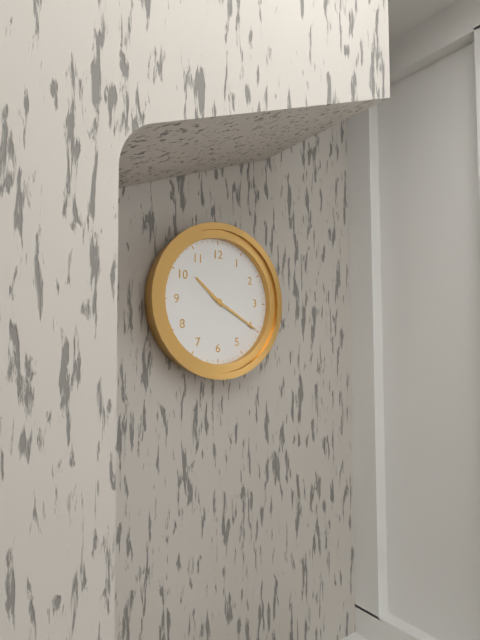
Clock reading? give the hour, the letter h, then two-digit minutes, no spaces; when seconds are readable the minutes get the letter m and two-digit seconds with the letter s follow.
10h20
